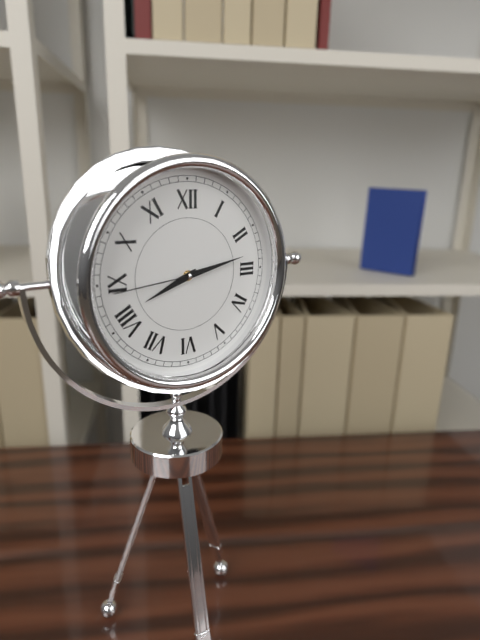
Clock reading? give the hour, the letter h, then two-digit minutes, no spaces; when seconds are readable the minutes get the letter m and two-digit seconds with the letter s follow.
8h13m44s
